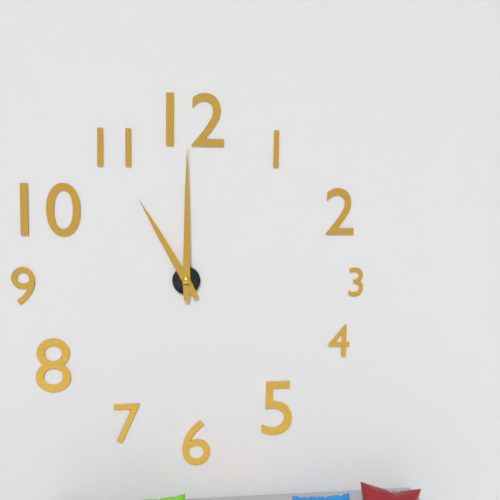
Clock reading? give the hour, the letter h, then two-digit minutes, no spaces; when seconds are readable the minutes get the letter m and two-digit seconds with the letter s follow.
11h00
